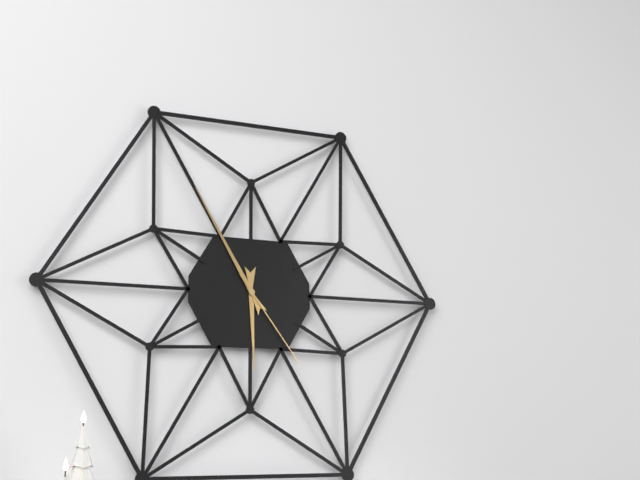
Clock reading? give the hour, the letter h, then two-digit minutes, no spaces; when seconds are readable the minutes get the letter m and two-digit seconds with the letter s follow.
5h55m24s
